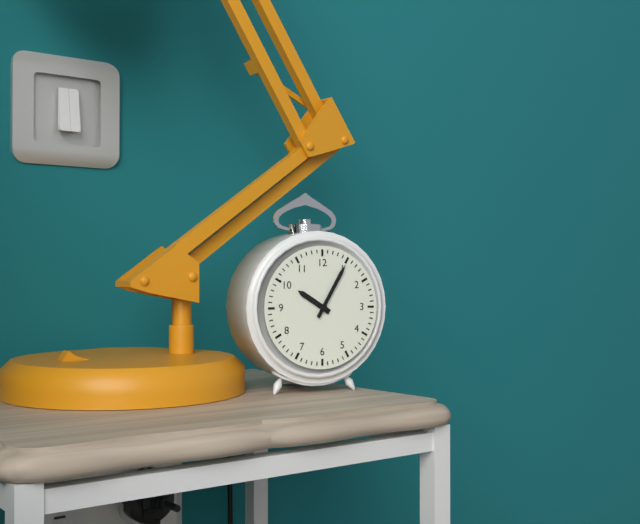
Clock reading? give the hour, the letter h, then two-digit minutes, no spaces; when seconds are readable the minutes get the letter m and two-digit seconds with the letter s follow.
10h05
